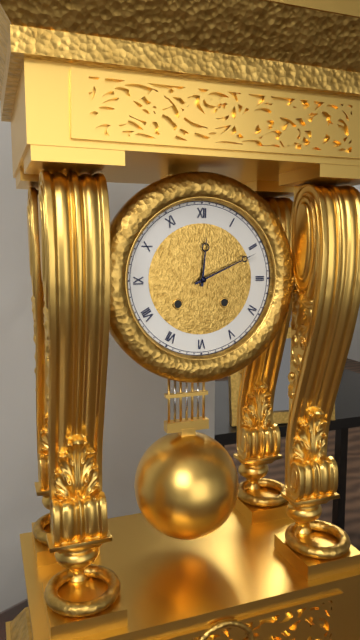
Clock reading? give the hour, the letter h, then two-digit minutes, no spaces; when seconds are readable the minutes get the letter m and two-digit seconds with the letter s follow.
12h11
